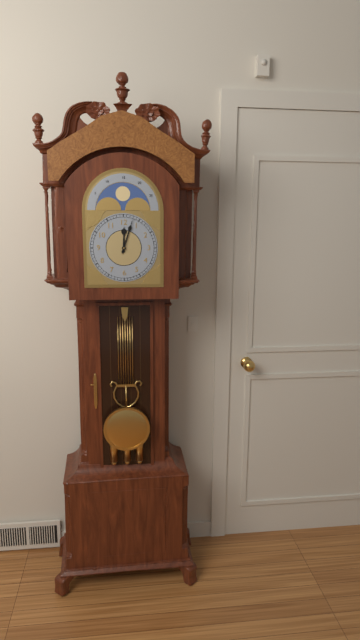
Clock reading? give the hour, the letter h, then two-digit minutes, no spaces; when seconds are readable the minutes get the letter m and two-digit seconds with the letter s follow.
12h03
